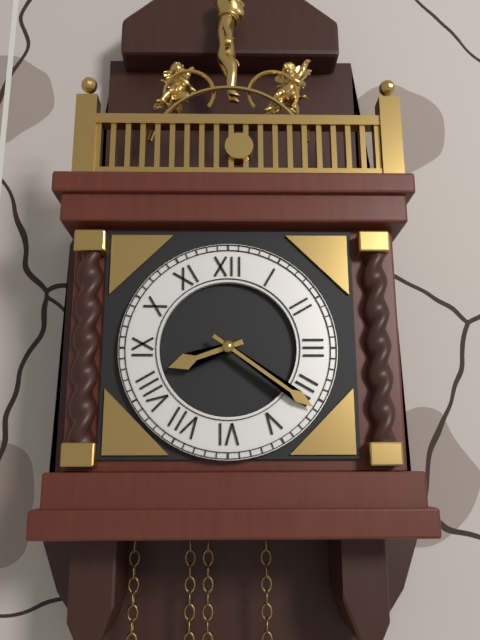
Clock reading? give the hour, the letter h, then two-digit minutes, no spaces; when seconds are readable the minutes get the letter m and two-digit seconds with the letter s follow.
8h21
